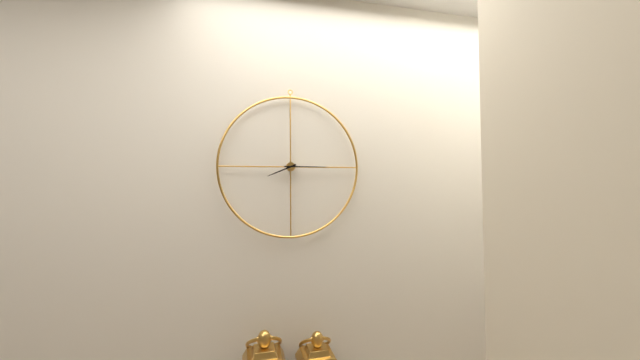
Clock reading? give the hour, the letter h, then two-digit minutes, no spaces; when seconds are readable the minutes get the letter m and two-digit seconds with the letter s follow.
8h15
